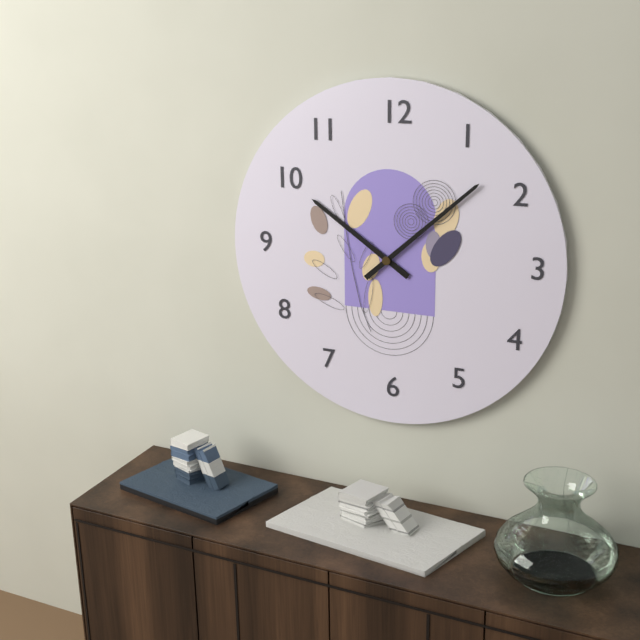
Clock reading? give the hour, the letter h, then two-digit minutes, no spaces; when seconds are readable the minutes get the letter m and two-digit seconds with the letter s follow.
10h08
